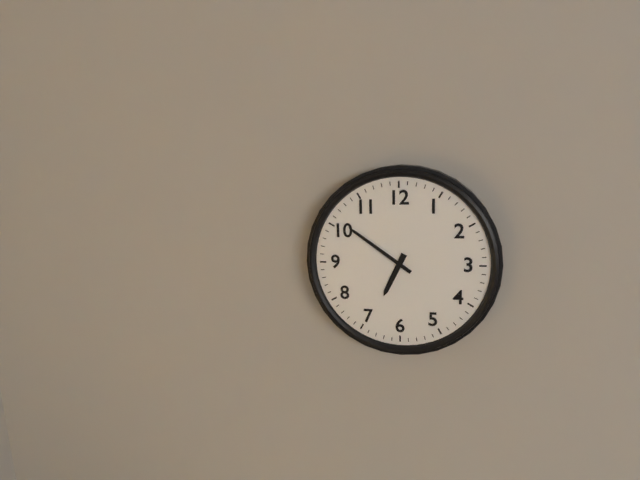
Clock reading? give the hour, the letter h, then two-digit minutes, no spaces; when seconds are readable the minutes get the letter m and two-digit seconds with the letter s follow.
6h51
